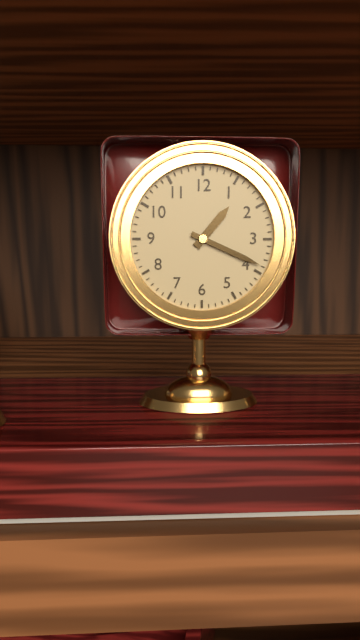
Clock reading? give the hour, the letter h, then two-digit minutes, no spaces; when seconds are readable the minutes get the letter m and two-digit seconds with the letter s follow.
1h19
